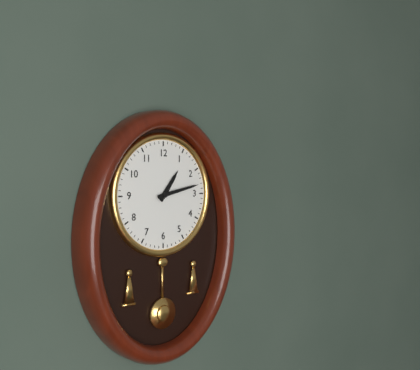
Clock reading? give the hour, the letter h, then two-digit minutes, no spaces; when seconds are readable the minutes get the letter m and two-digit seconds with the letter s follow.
1h13
